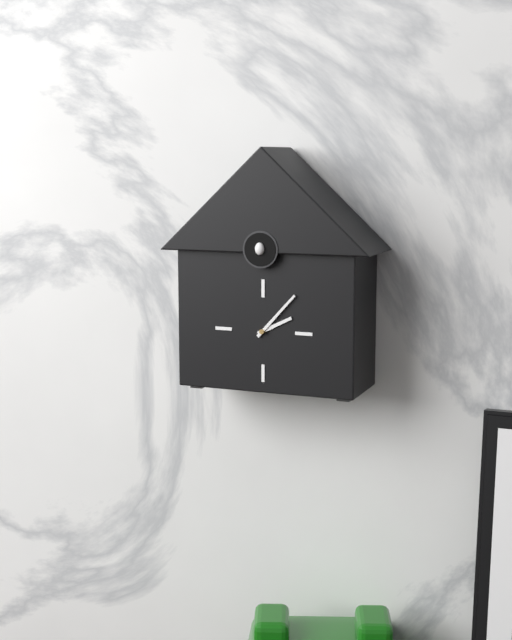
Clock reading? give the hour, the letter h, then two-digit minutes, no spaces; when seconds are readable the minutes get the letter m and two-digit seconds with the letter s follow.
2h07
